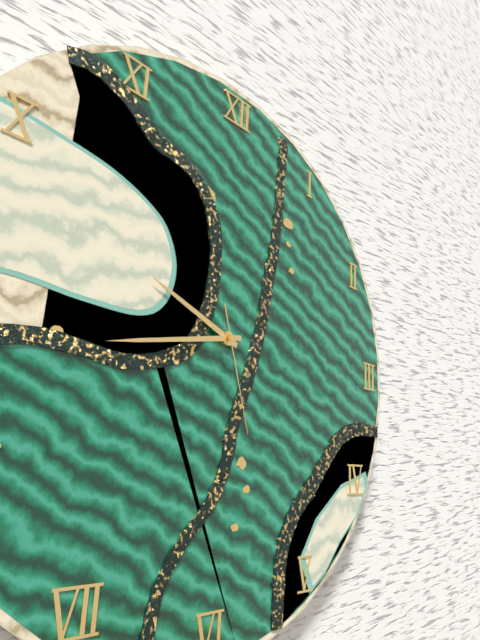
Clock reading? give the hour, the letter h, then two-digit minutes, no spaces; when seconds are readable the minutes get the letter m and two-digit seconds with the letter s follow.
9h43m27s
